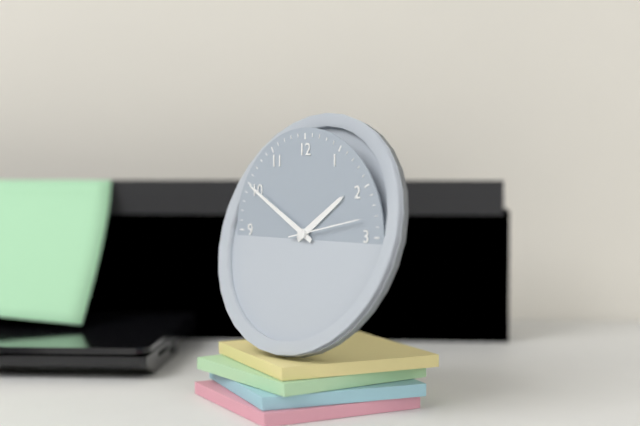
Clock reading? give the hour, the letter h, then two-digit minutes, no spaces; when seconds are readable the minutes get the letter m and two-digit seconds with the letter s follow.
1h50m13s
